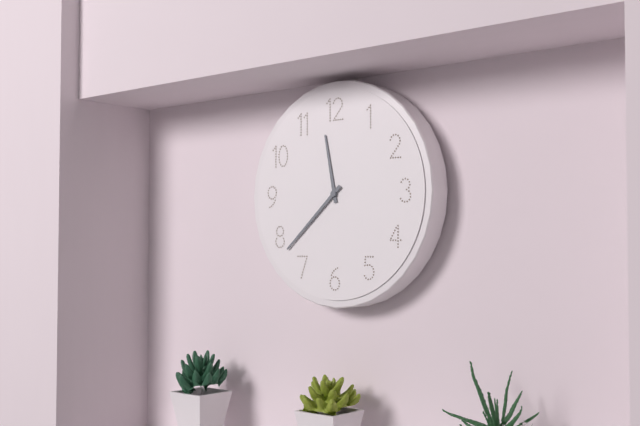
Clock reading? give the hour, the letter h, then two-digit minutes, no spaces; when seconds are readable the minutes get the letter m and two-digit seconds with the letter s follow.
11h38
